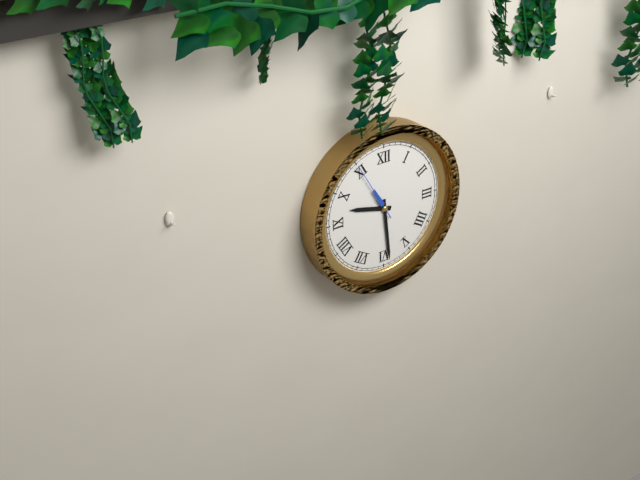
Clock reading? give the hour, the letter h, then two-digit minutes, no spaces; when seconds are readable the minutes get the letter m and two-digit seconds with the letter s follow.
9h29m55s
